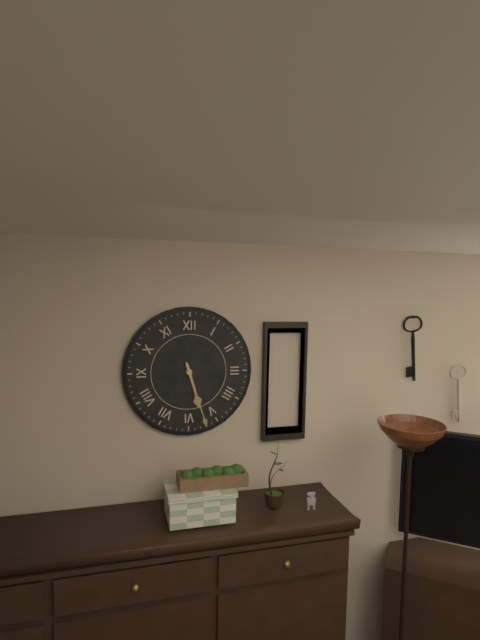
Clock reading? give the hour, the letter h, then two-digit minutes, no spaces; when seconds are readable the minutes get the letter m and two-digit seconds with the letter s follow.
5h27
